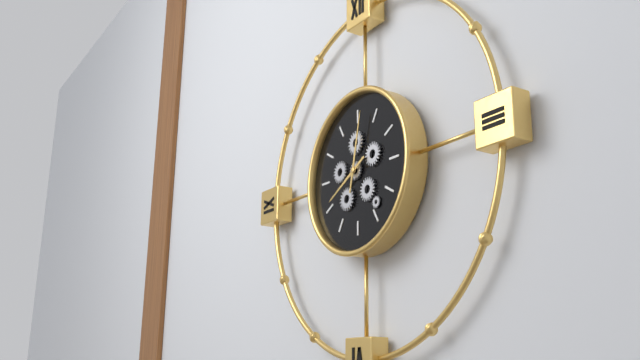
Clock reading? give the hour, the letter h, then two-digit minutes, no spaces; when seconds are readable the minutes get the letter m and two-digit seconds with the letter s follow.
8h02
